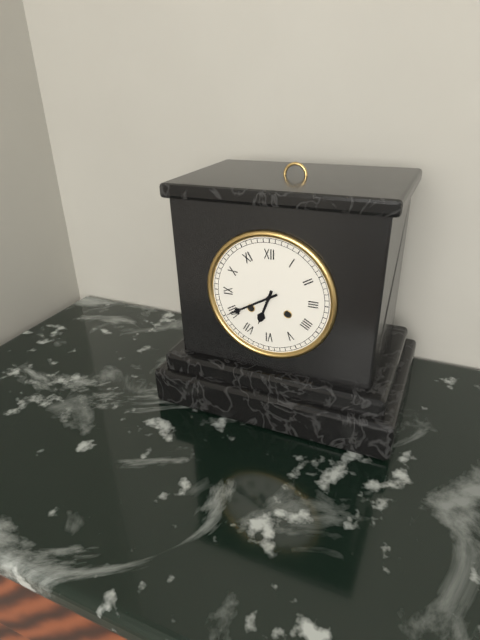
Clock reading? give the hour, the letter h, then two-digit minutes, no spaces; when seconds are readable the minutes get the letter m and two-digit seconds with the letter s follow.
6h40
